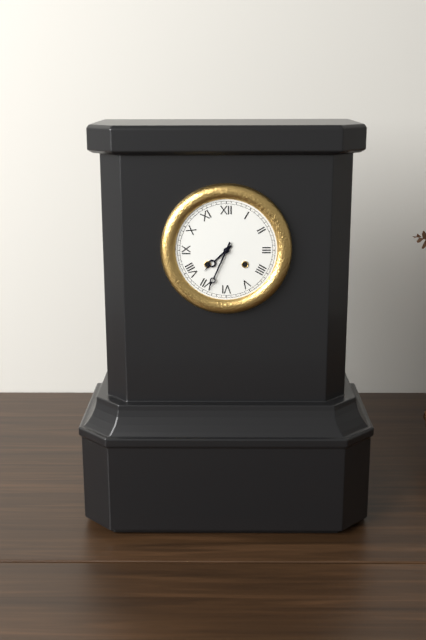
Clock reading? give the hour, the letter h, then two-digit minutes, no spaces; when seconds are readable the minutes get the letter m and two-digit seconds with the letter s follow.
7h34
